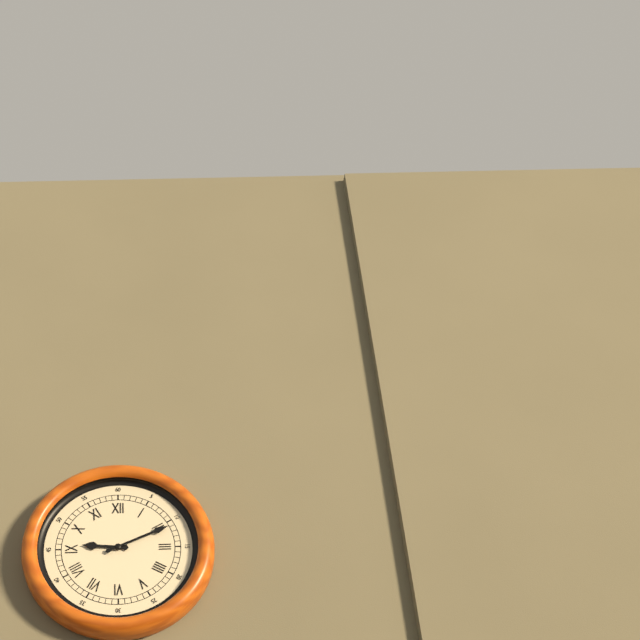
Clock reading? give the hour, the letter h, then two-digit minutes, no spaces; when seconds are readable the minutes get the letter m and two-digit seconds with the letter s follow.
9h11
